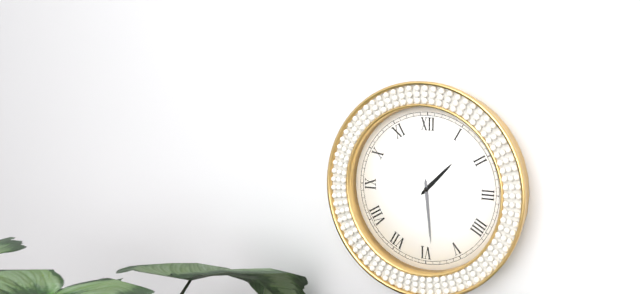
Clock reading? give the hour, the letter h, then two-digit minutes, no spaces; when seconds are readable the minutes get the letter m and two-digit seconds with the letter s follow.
1h29
